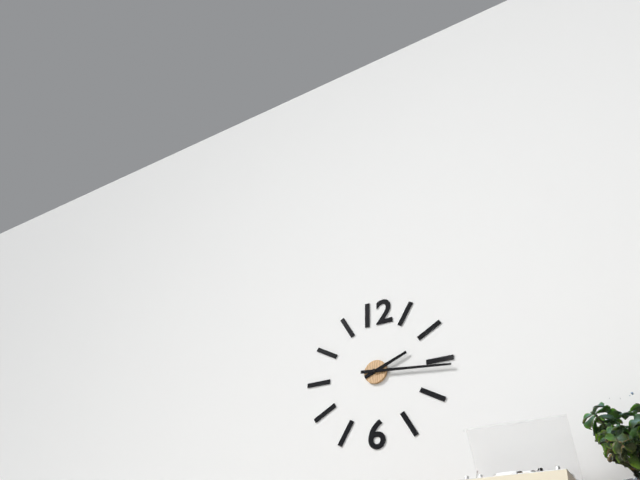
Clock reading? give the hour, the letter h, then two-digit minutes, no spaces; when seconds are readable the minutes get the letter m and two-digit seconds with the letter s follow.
2h16
